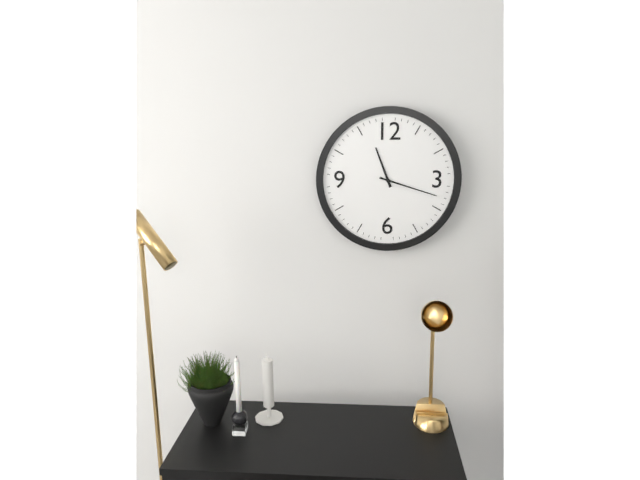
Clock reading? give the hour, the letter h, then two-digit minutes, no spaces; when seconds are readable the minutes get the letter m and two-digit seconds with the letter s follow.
11h18
